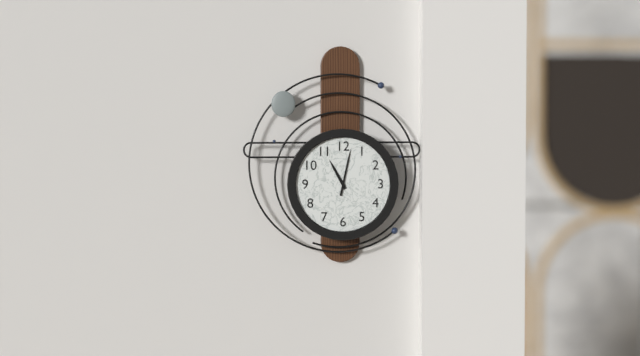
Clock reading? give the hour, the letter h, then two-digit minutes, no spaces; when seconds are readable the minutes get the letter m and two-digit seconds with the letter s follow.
11h02
